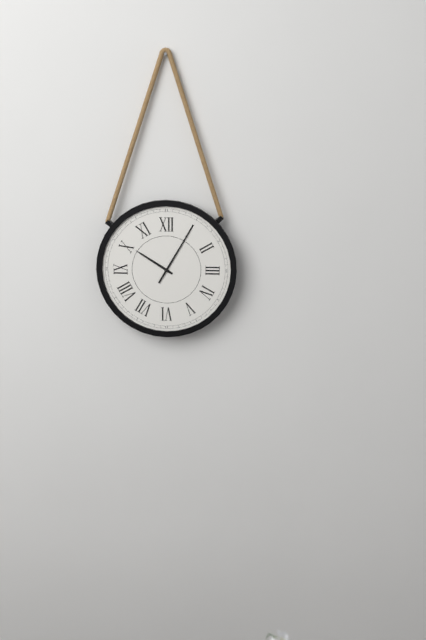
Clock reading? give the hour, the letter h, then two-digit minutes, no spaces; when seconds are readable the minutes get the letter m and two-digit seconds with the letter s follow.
10h05
